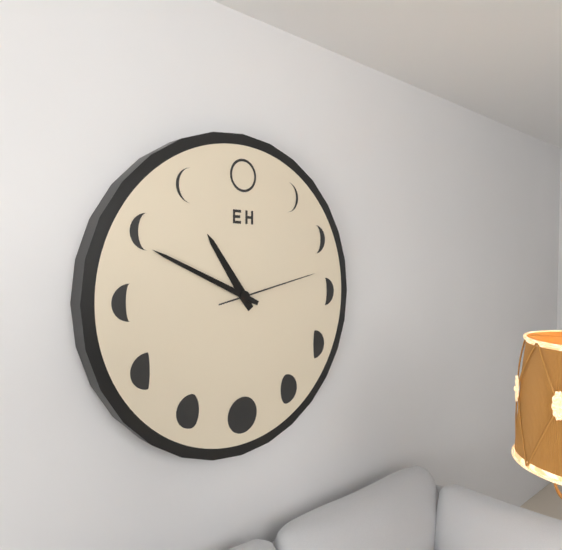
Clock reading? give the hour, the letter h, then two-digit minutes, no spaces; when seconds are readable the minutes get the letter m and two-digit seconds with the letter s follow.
10h49m13s
